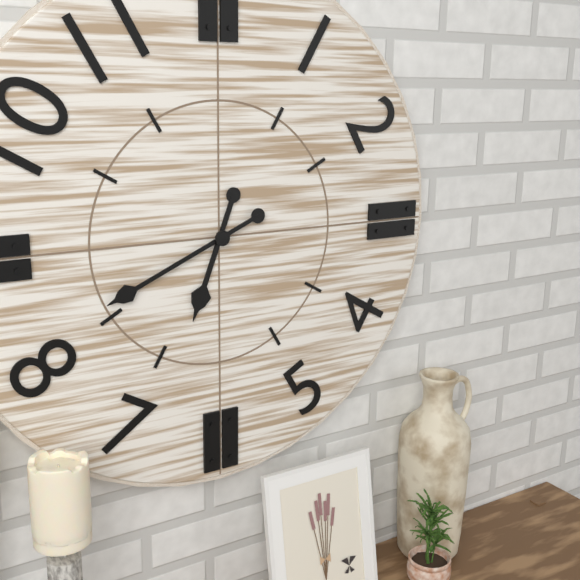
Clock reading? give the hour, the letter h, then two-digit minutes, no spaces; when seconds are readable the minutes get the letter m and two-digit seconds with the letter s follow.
6h41
